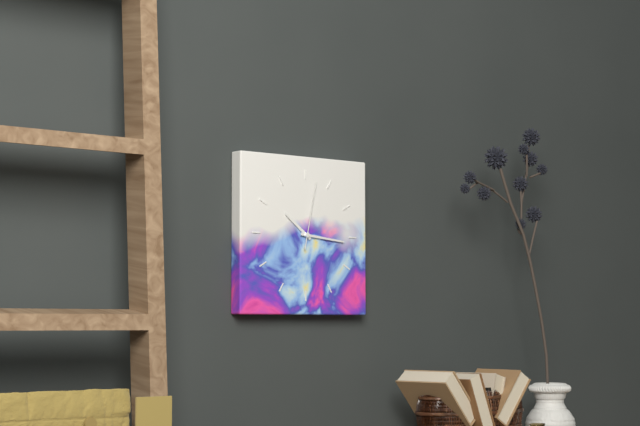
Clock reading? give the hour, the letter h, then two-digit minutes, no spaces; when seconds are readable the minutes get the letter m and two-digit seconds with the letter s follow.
10h16m02s
